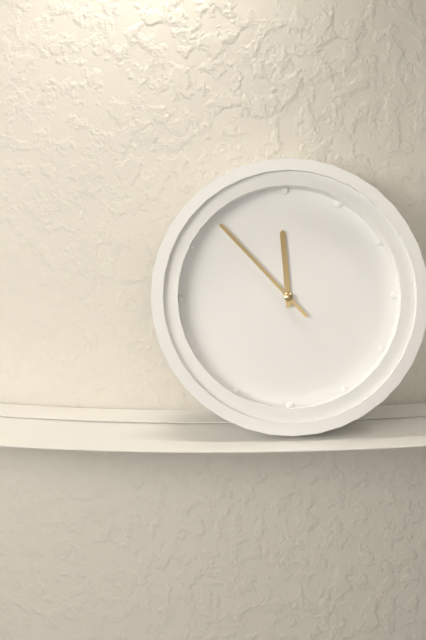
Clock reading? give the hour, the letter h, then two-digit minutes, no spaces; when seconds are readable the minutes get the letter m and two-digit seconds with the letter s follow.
11h53
